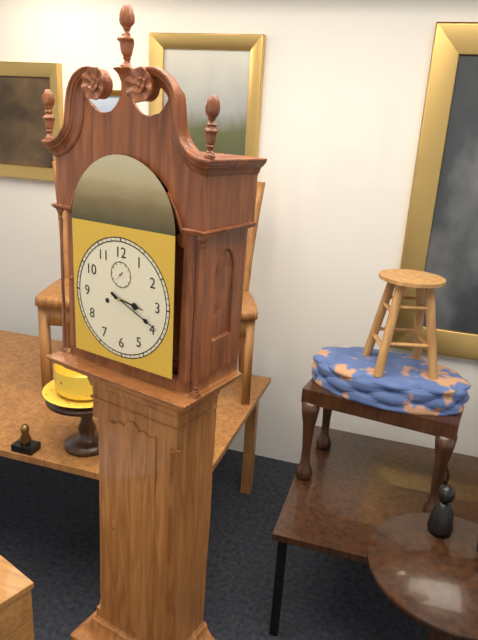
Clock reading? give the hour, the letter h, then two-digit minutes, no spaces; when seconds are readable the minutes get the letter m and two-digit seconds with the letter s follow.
3h19
